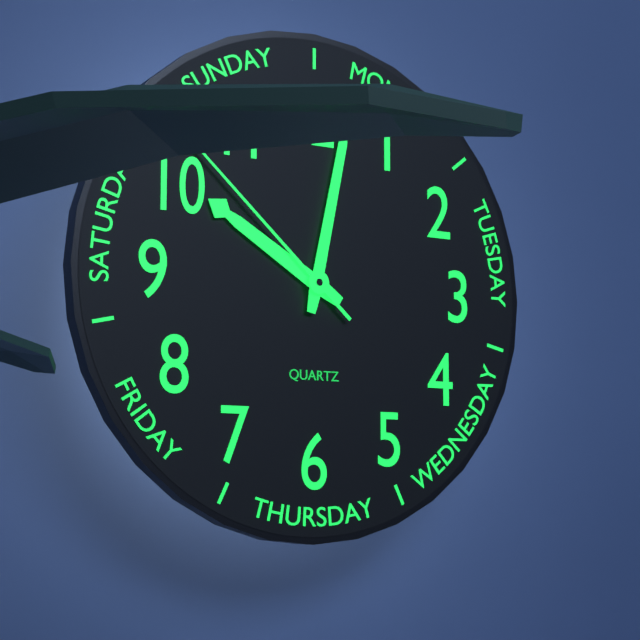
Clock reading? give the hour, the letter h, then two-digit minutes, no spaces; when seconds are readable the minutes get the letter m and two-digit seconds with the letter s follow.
10h02m52s
